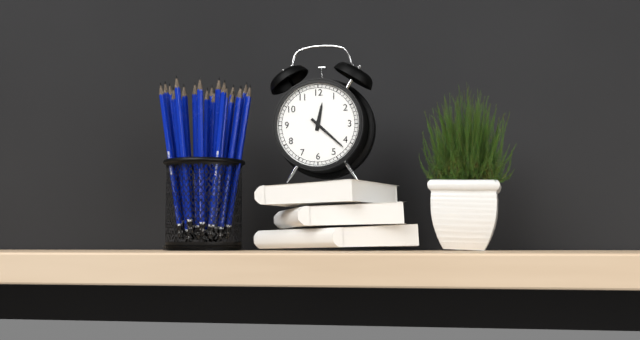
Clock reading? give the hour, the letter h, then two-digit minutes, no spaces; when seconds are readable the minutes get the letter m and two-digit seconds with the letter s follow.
12h22
